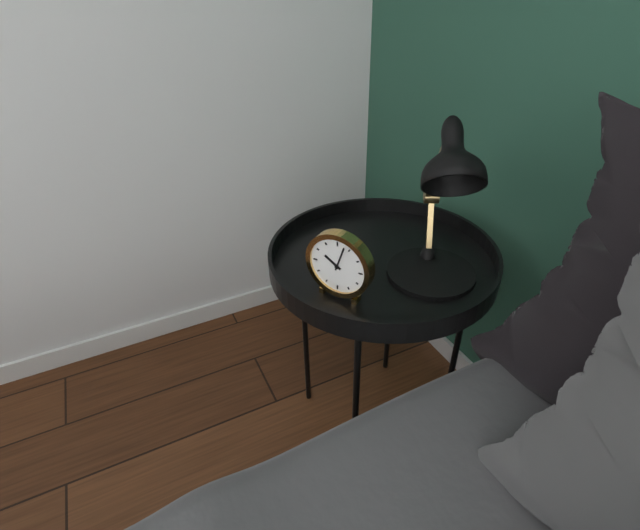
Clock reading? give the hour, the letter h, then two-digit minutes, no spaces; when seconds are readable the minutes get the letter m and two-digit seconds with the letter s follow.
10h03
